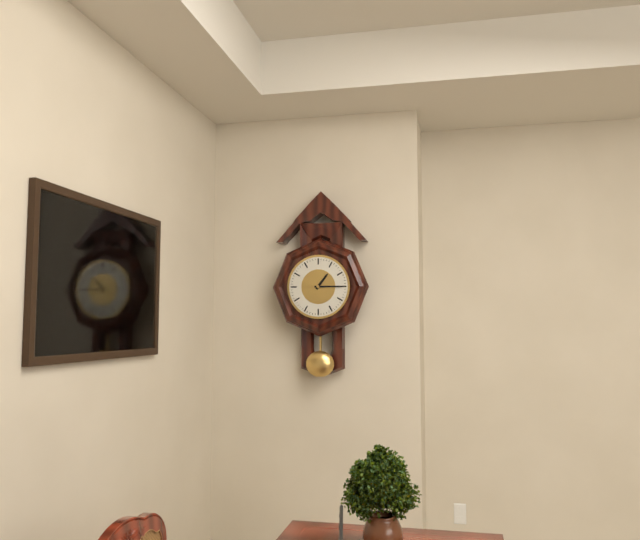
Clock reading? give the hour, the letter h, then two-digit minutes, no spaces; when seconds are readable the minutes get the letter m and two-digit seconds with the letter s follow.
1h15
